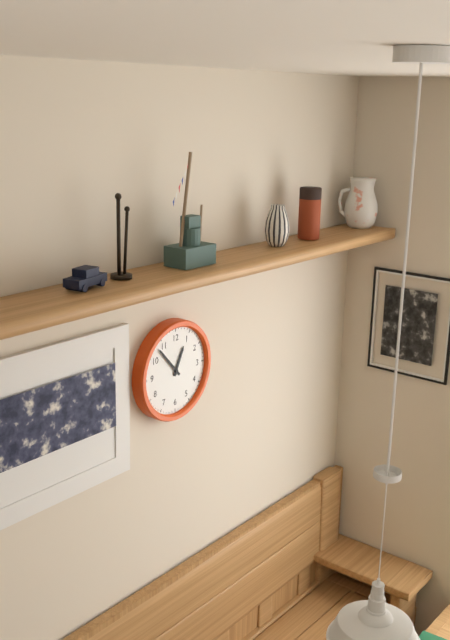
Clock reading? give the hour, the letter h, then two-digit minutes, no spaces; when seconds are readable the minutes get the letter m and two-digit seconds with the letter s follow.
12h53
